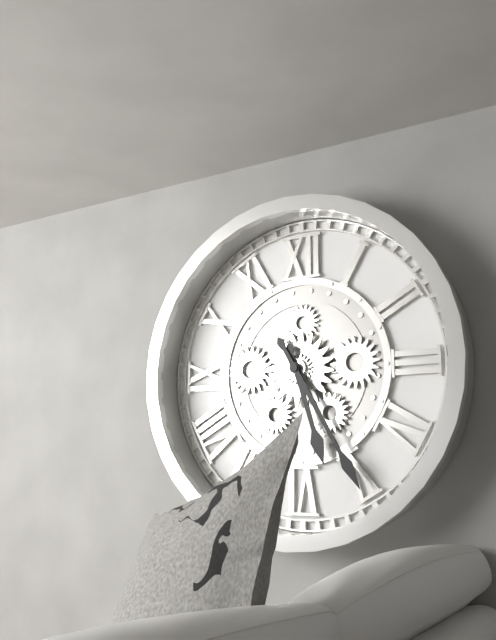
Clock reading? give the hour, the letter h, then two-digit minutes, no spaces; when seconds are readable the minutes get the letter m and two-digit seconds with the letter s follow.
5h25
